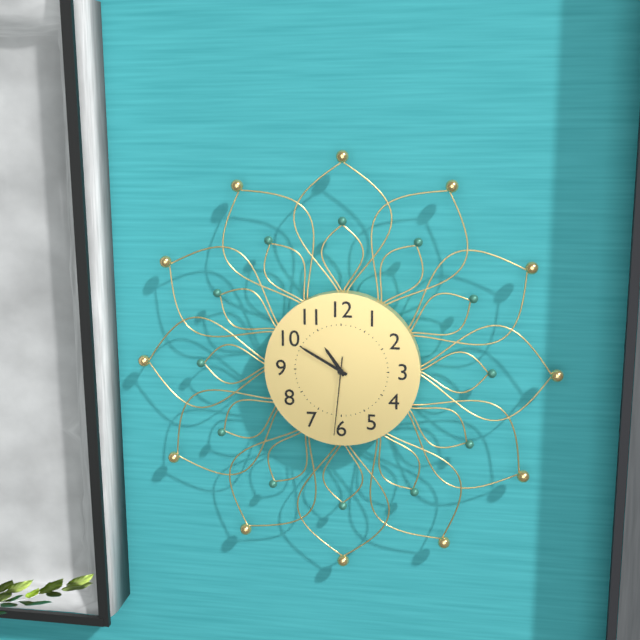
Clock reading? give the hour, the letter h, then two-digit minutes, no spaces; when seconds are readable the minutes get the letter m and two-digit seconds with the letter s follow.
10h50m31s
